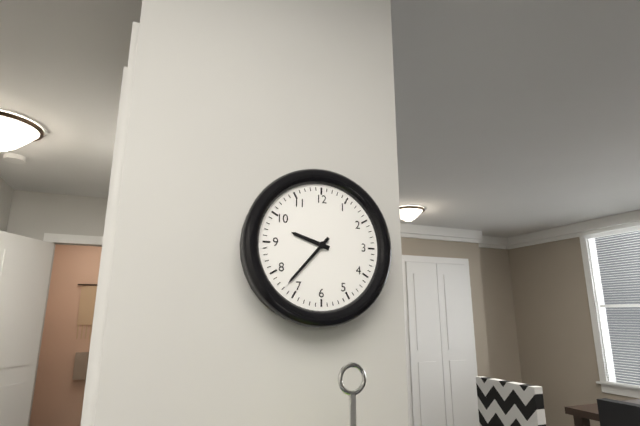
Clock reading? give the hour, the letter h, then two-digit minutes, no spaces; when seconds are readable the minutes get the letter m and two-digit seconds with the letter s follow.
9h37
